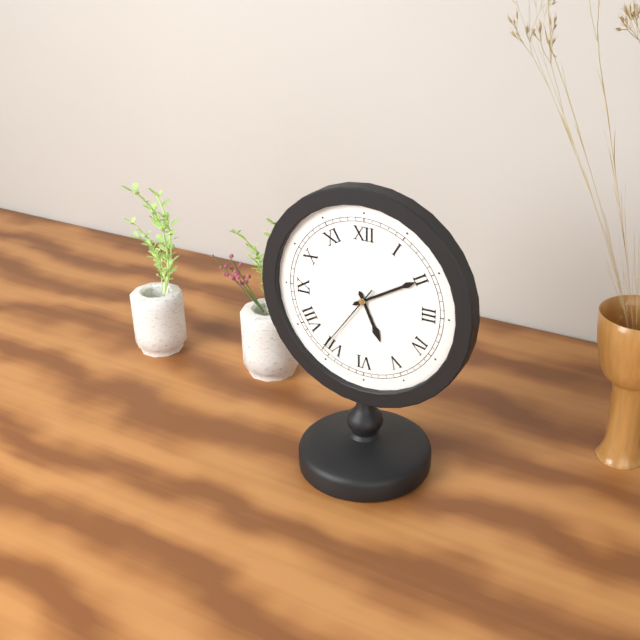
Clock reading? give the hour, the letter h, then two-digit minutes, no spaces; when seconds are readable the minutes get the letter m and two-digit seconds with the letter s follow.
5h10m36s
